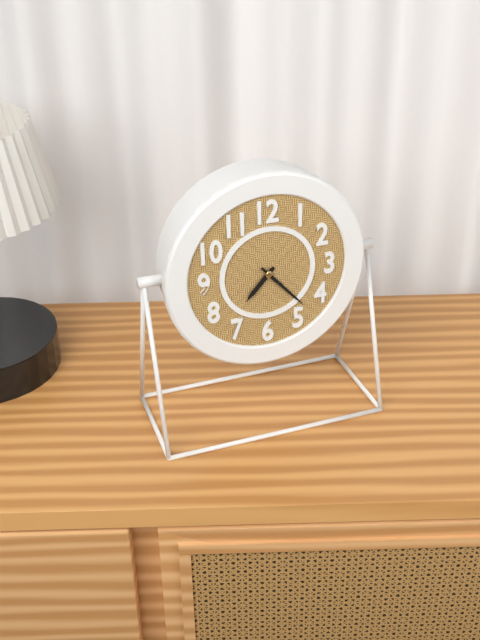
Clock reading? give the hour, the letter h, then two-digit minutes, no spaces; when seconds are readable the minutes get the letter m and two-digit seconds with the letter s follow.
7h23
